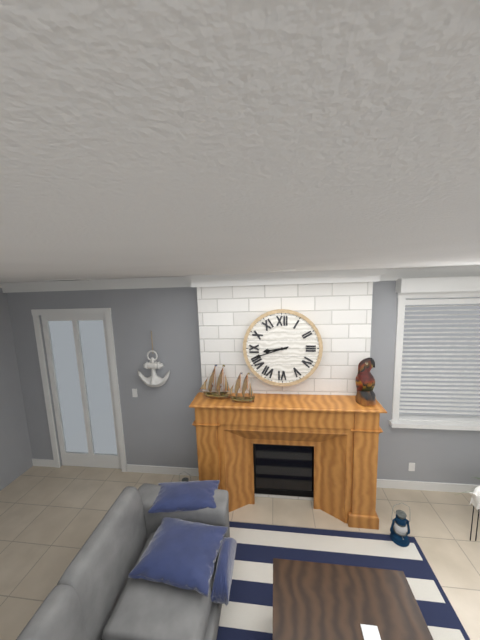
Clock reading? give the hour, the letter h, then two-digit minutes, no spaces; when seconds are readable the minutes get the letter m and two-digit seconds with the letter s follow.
8h42
